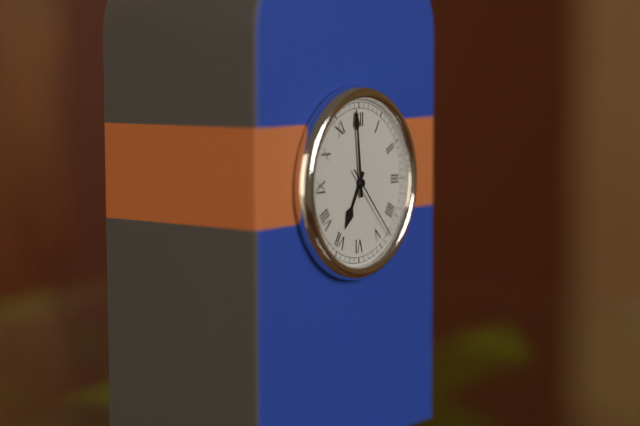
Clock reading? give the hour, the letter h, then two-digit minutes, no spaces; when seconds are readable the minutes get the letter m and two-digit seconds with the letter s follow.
6h59m23s
